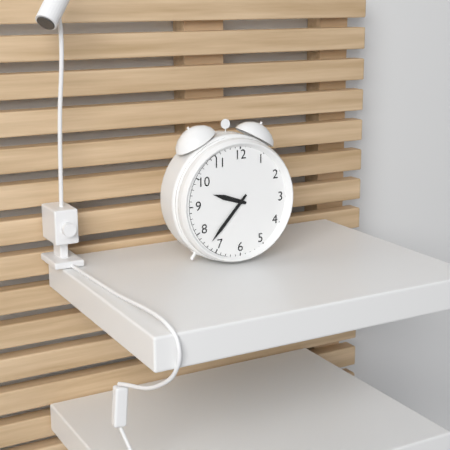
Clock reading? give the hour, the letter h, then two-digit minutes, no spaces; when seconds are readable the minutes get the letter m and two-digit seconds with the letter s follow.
9h37
